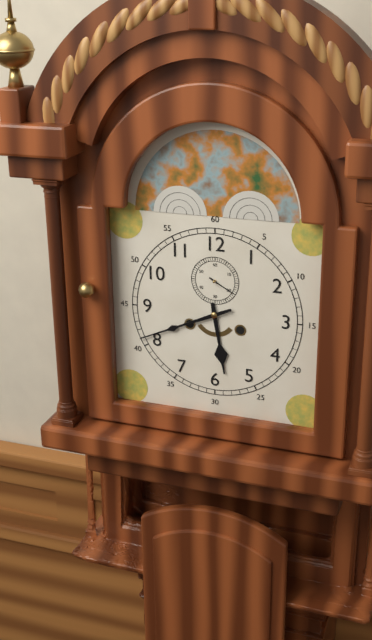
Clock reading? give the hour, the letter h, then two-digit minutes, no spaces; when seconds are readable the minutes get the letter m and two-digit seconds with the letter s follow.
5h41
